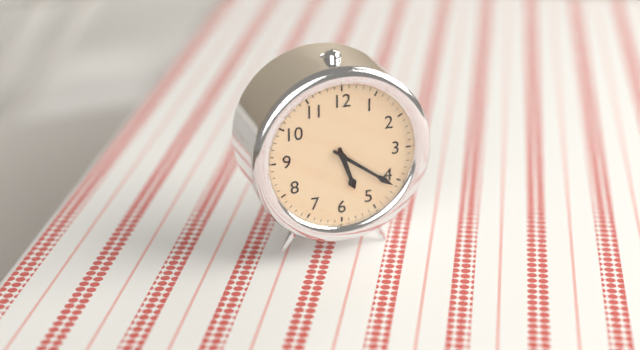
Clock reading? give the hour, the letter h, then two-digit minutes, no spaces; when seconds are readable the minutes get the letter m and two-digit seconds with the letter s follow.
5h21
